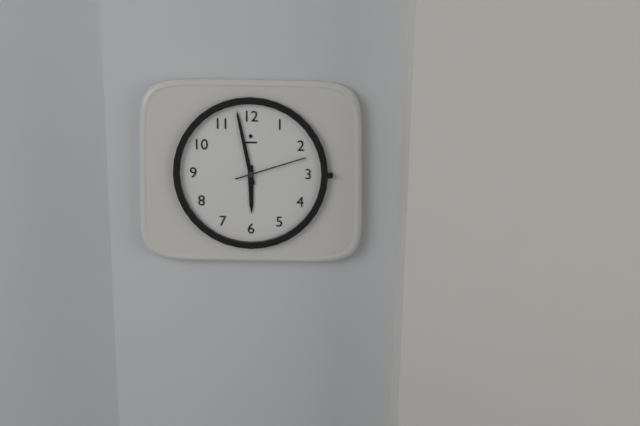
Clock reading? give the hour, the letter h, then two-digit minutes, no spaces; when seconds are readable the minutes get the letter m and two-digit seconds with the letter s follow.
5h58m12s
